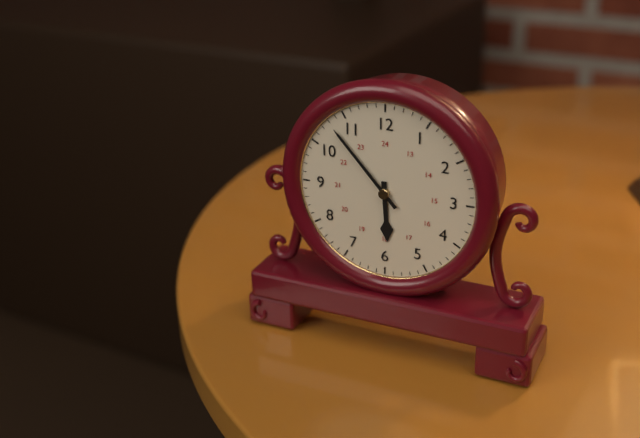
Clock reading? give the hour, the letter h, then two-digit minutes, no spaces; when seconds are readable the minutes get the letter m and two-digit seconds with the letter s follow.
5h53
